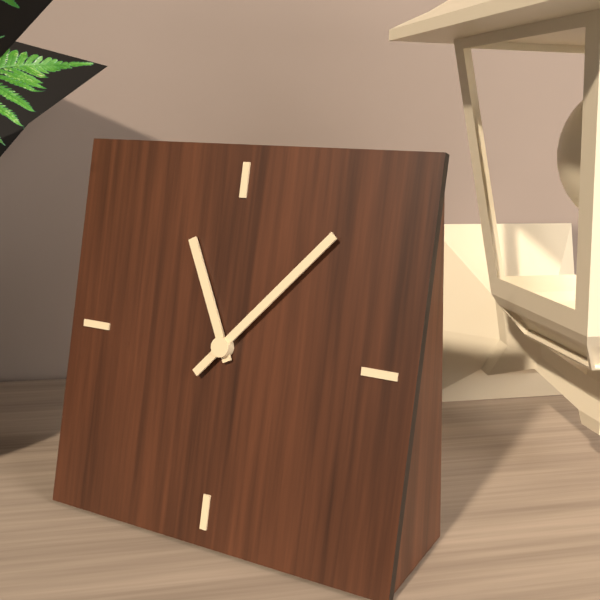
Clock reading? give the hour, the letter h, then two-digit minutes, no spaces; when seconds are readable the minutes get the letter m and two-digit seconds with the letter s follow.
11h07
